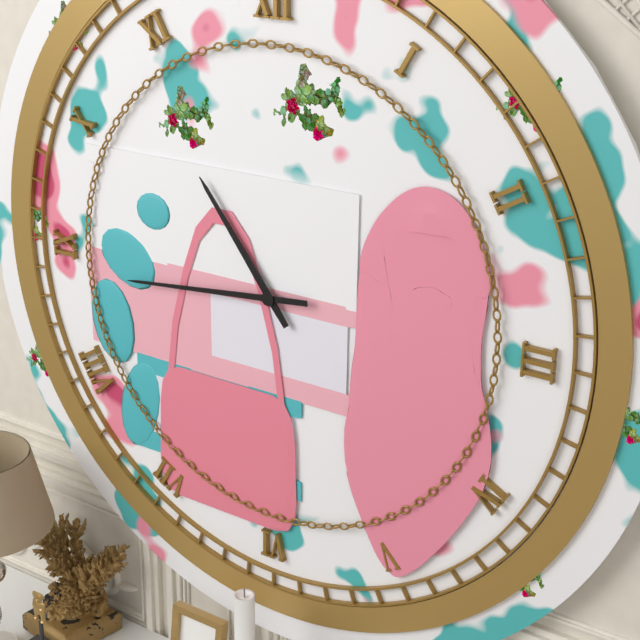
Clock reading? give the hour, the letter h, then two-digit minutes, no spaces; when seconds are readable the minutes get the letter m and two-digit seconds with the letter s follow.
10h44
